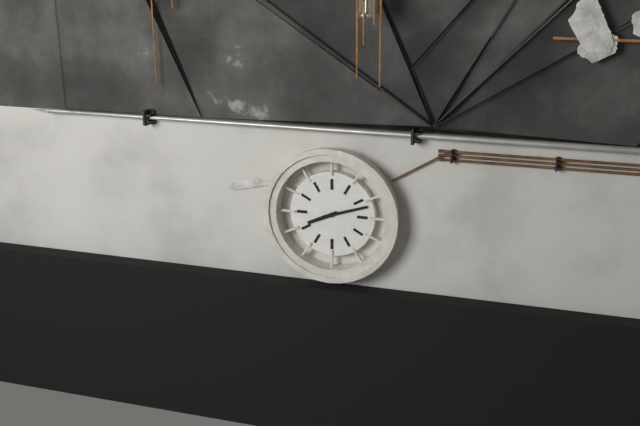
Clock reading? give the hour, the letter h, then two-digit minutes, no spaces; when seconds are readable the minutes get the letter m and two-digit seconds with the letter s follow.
8h12
